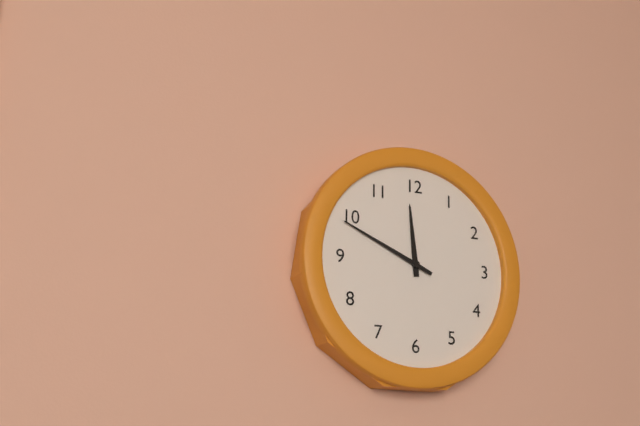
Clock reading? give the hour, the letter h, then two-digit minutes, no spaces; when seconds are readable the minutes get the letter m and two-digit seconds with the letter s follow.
11h49
